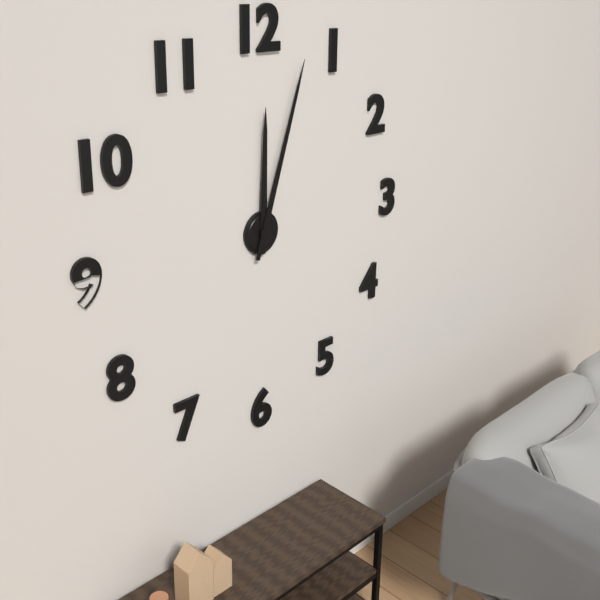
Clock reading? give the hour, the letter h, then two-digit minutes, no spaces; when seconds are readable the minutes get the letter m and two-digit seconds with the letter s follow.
12h03
